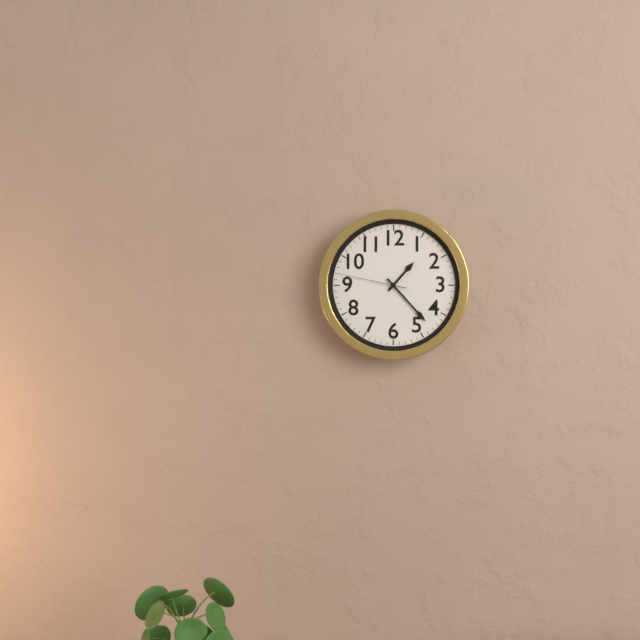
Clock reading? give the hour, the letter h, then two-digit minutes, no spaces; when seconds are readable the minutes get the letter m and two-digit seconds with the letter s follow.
1h23m47s
